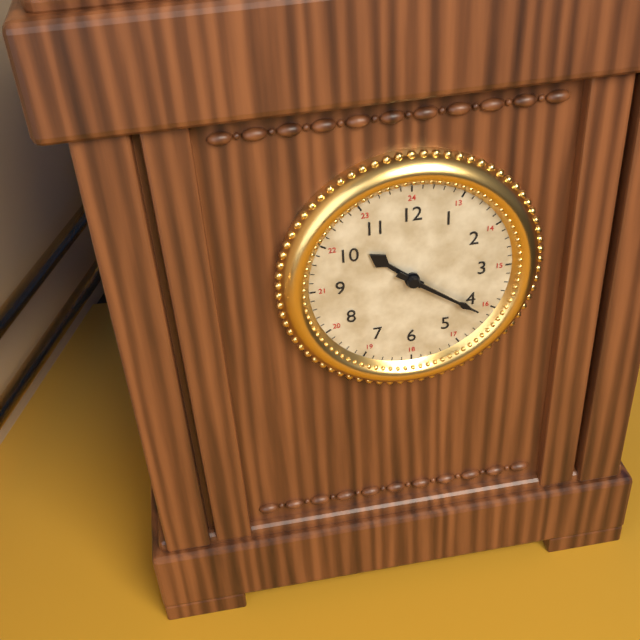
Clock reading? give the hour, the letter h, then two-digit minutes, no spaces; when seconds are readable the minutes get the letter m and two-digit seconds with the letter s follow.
10h21
